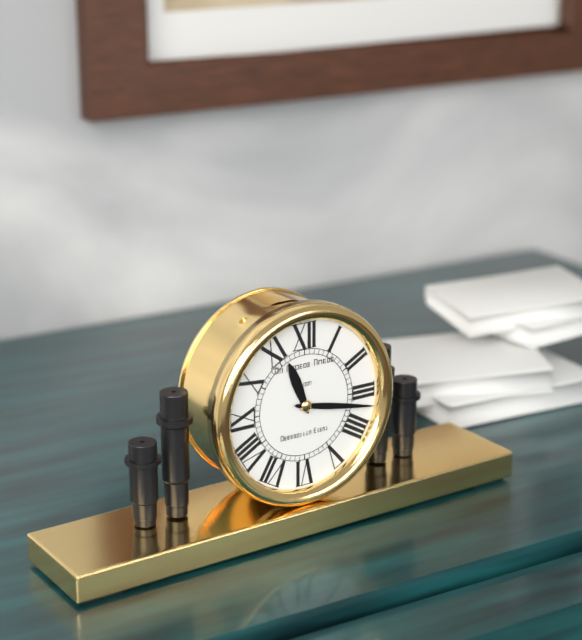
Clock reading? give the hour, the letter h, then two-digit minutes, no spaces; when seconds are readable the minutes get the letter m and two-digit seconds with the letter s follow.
11h17
